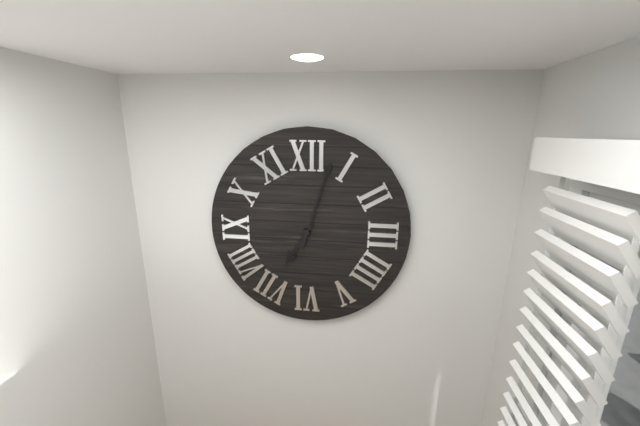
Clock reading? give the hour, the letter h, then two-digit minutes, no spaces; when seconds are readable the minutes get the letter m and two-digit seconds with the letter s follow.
7h03
